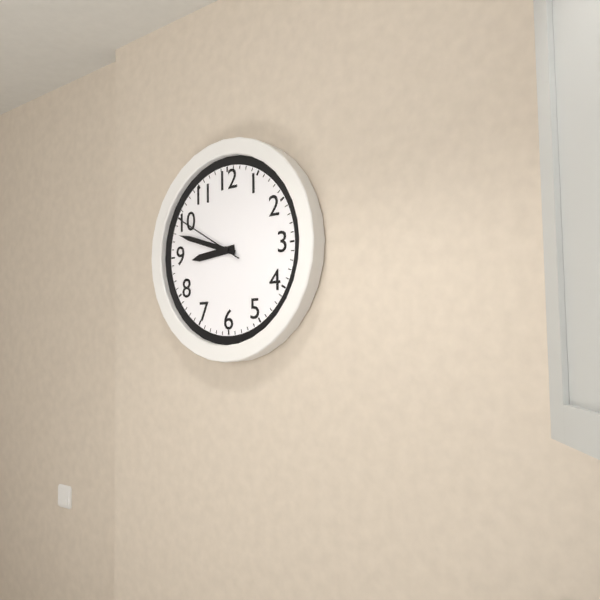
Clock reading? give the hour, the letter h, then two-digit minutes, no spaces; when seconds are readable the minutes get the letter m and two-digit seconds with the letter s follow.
8h48m50s
